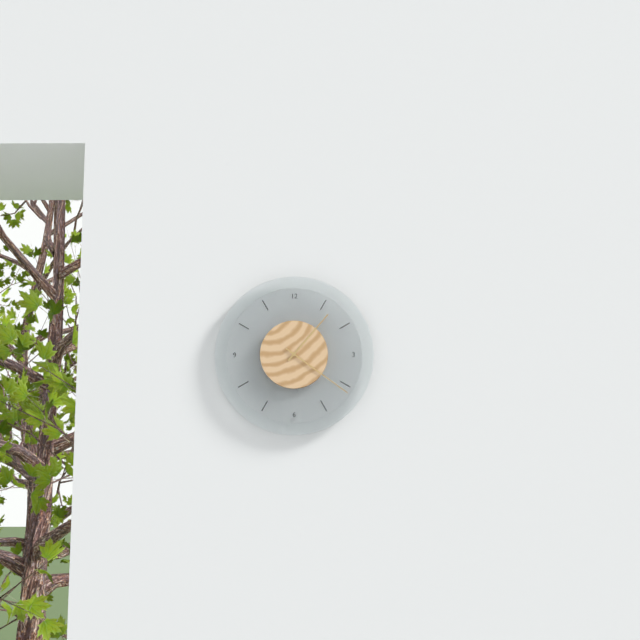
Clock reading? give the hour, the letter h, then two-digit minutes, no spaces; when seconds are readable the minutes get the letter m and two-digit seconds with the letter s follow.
1h21
